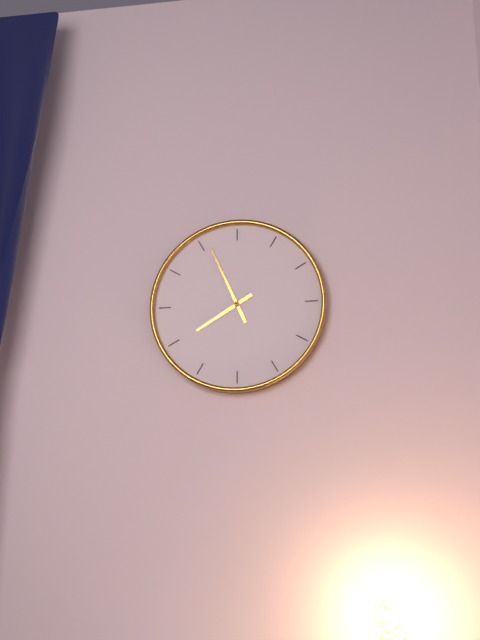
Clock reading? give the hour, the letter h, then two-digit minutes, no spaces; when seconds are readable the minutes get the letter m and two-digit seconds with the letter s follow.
7h56
